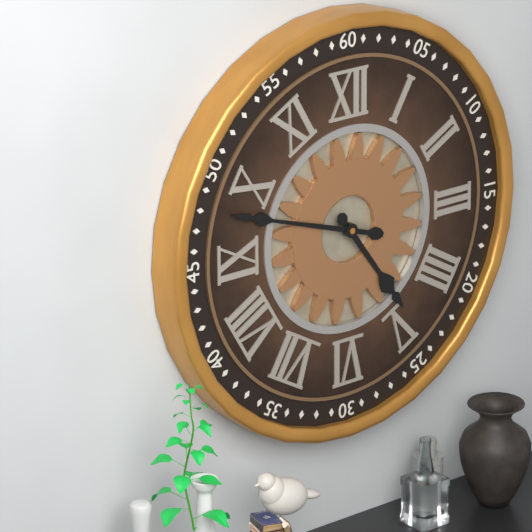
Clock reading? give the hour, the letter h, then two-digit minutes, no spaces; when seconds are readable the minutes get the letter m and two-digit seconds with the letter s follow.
4h48
